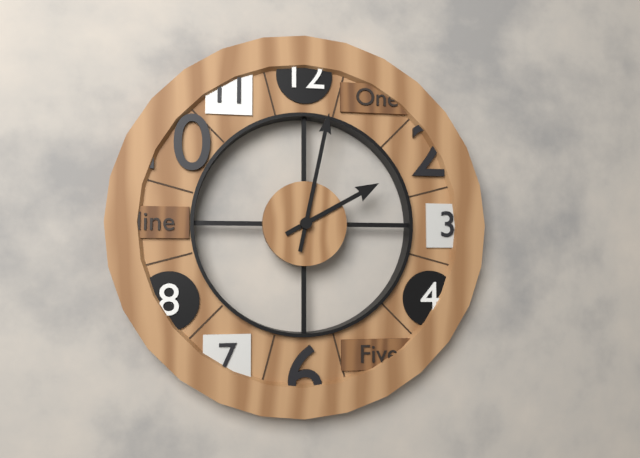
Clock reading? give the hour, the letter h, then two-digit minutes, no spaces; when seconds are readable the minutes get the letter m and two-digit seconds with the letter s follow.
2h02
